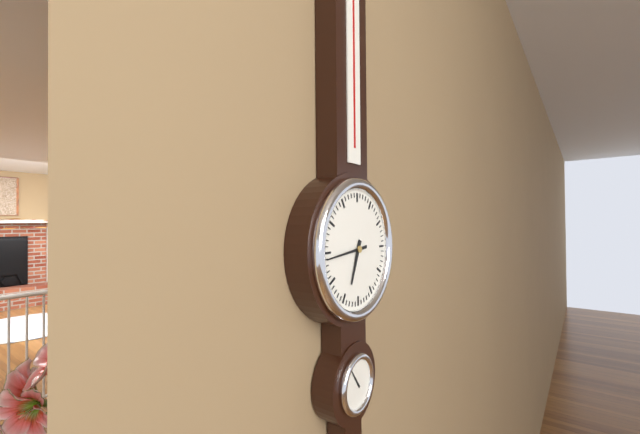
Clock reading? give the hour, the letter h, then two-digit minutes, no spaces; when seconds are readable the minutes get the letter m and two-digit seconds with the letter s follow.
6h44
